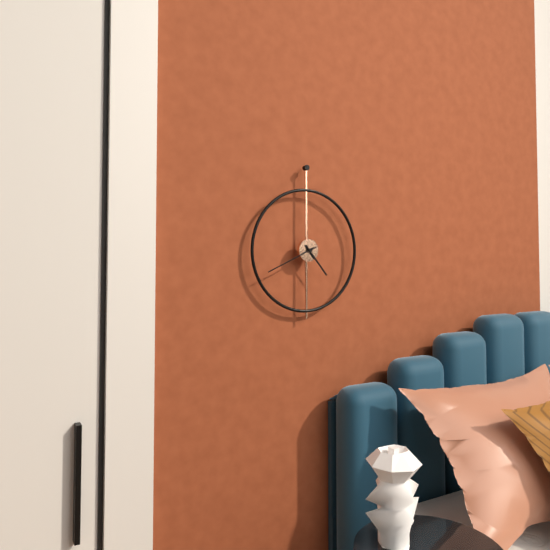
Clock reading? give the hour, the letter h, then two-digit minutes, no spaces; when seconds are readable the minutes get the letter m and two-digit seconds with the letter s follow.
4h41
